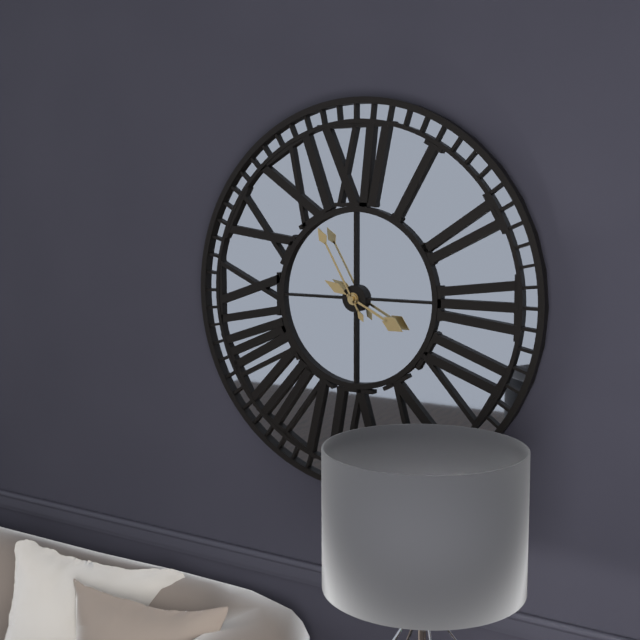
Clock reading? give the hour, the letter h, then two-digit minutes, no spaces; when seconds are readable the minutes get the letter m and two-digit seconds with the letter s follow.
3h55
